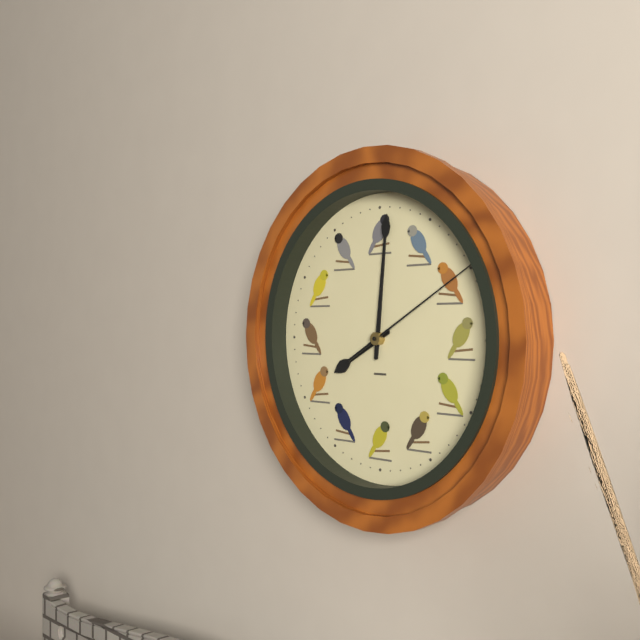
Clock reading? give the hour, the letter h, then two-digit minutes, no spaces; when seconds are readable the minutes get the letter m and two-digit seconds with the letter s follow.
8h01m10s
